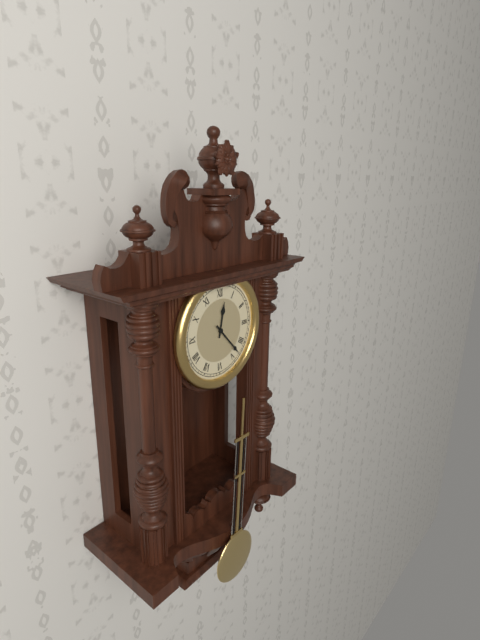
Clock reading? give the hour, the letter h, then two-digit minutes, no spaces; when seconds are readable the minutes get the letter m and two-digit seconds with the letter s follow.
12h23
